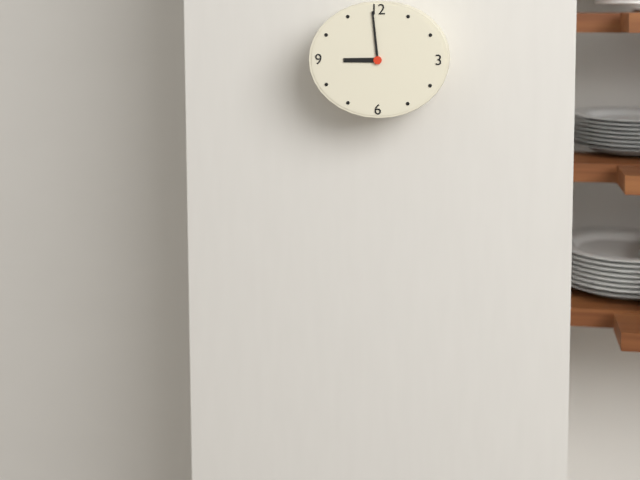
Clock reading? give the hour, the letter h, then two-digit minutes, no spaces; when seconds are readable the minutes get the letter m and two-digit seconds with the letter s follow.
8h59
